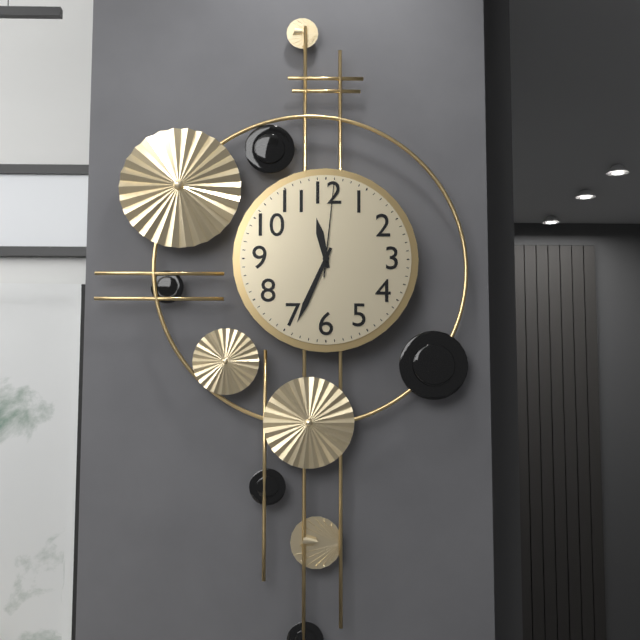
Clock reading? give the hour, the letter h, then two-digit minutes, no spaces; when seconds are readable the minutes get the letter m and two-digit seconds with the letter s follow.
11h34m01s
